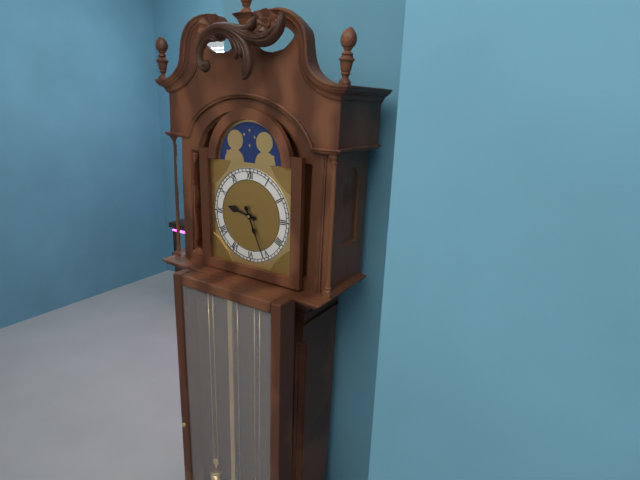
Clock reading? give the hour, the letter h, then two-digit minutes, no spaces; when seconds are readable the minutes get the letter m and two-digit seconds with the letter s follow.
9h26
